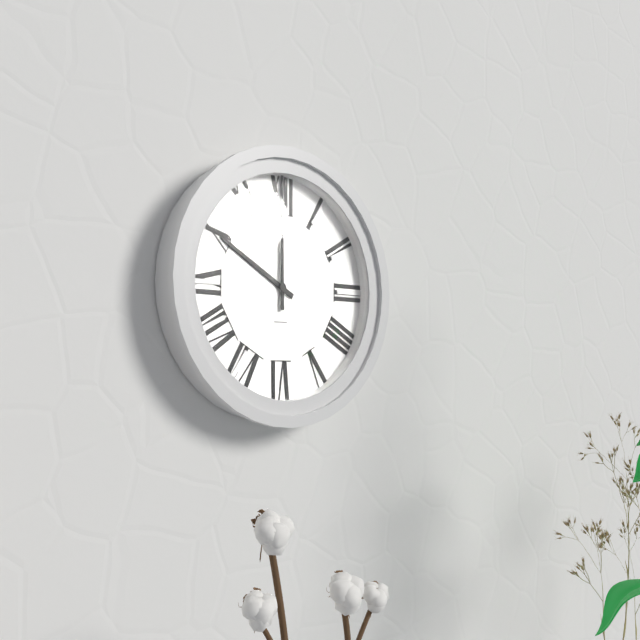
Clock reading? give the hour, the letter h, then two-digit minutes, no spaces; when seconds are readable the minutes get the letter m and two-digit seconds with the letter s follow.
10h00
